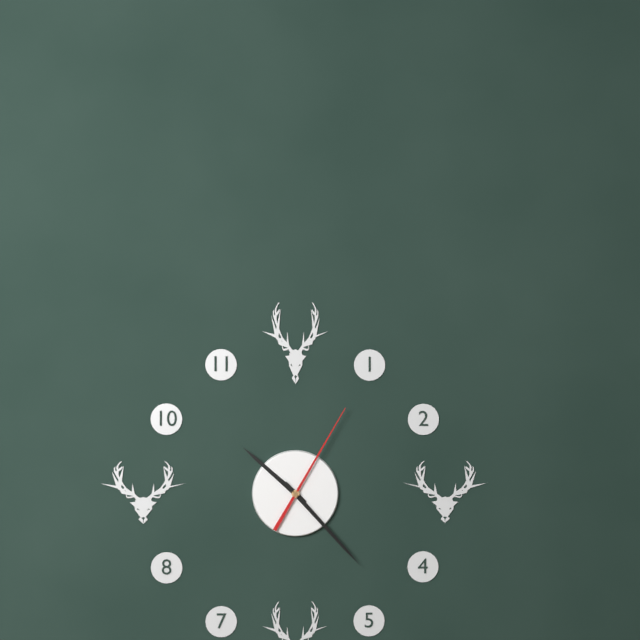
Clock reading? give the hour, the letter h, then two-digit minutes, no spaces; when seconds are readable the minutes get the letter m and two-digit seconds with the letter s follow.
10h23m05s
